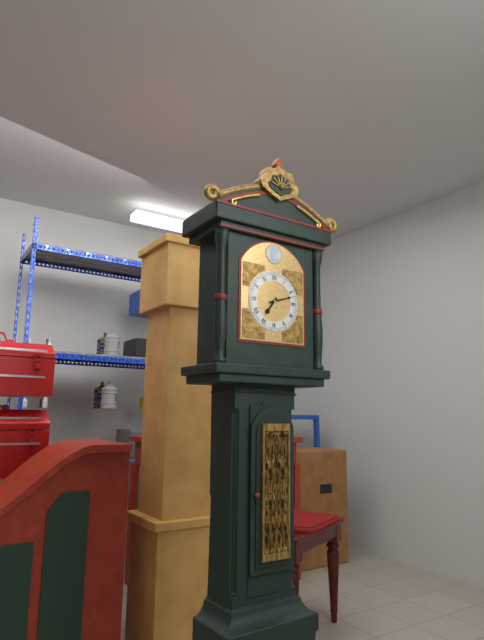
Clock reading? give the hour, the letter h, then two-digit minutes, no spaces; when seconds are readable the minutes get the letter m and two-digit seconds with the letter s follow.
7h12
